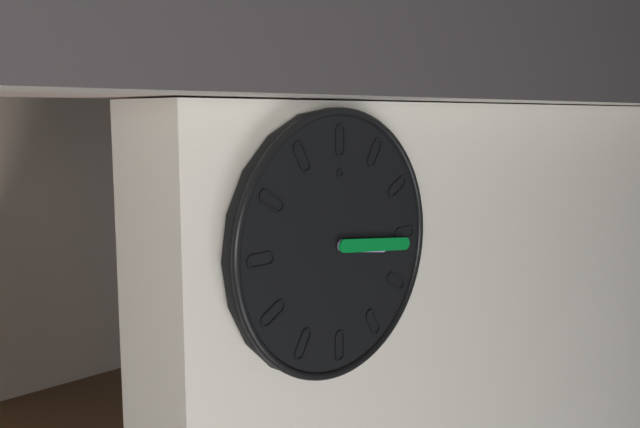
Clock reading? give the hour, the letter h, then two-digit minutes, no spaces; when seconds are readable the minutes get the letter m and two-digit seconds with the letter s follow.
3h16
